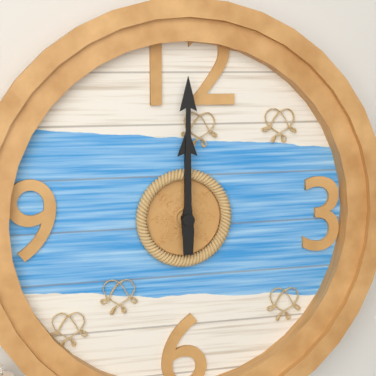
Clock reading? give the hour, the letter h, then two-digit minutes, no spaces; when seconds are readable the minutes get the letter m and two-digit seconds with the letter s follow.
12h00
